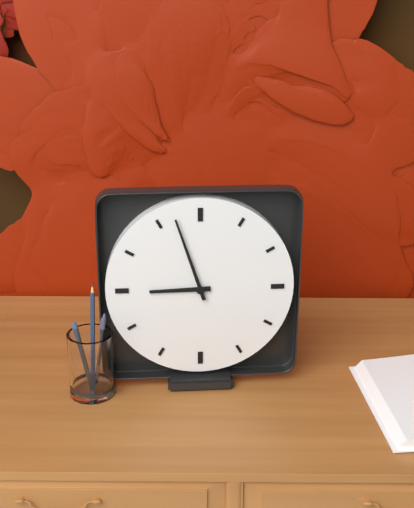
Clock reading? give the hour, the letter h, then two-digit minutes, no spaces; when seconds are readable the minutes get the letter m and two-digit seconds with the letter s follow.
8h57
